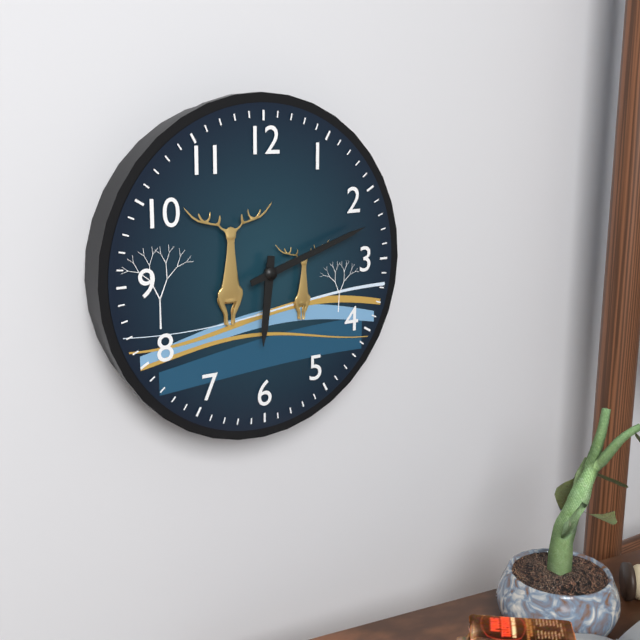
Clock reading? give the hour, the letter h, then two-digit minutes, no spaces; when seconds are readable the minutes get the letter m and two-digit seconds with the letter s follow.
6h12
